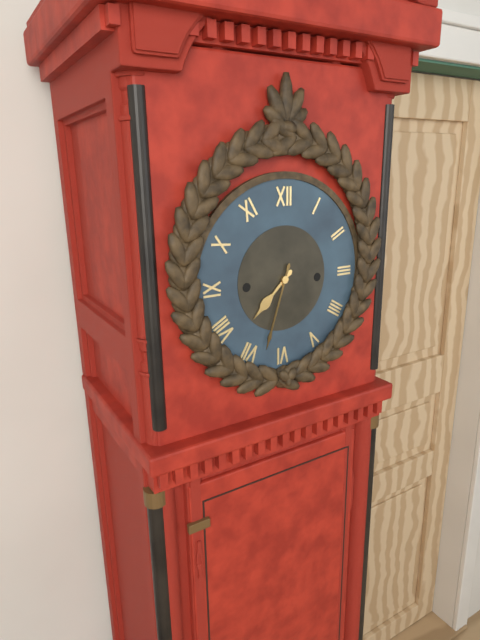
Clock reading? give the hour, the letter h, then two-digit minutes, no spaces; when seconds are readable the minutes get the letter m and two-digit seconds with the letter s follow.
7h33
